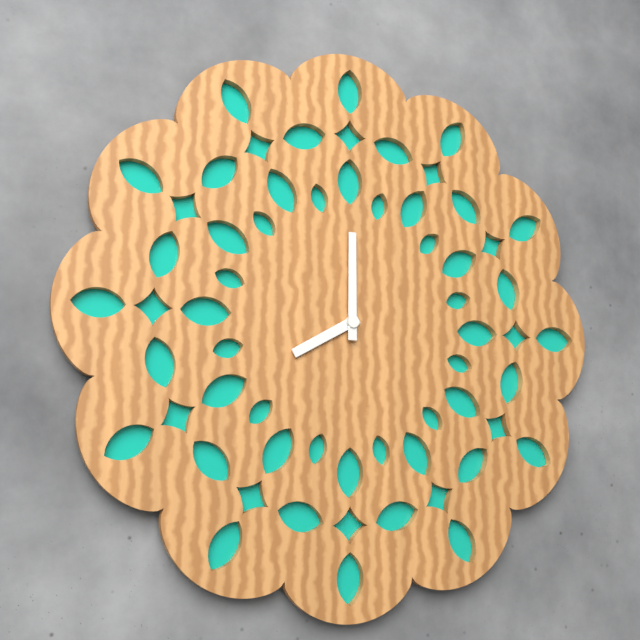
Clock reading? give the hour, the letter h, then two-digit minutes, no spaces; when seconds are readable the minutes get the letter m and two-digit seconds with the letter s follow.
8h00
